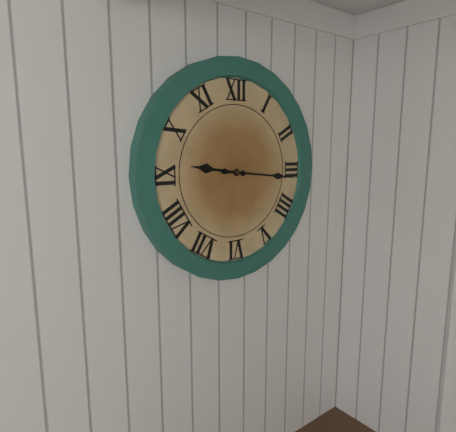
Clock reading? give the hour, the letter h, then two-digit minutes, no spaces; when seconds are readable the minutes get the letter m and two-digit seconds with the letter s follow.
9h16
